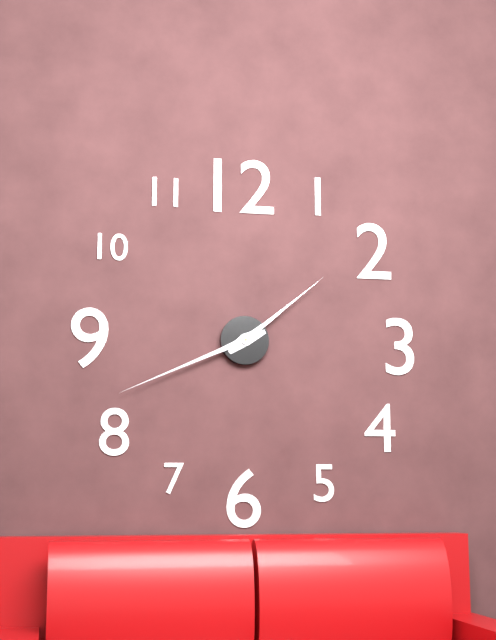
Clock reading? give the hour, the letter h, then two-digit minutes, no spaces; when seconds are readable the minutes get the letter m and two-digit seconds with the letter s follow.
1h41
